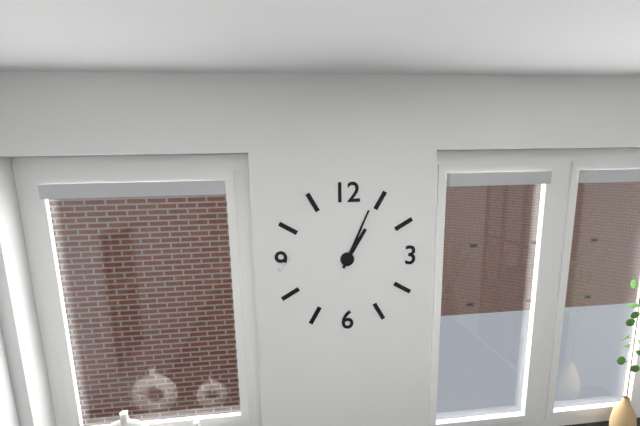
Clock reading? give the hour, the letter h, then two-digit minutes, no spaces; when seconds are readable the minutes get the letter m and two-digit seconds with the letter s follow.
1h04
